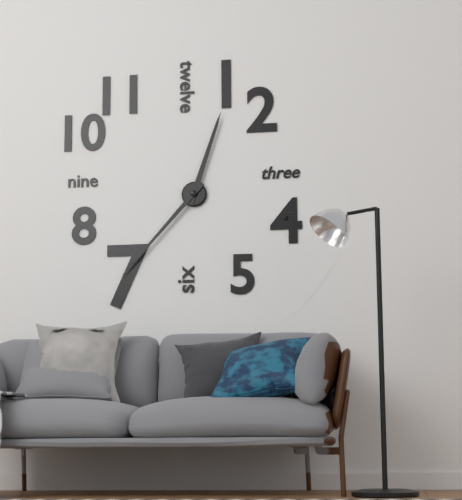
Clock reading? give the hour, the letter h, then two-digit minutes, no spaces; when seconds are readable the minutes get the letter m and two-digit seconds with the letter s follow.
12h37
